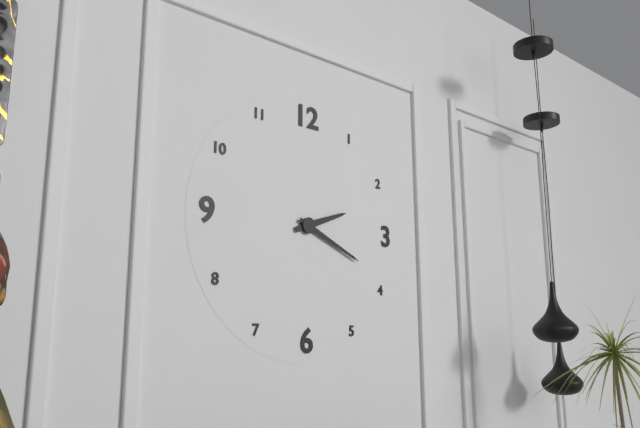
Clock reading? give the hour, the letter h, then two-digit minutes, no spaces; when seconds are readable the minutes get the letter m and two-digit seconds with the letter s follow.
2h19
